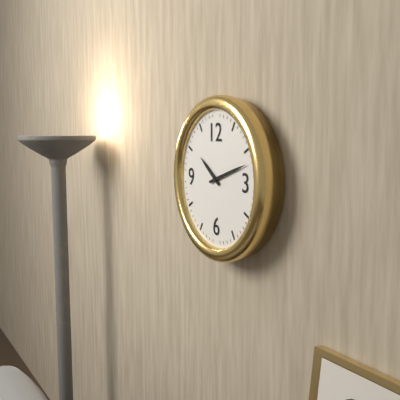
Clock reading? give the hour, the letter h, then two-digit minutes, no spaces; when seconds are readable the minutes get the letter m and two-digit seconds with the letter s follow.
10h12
